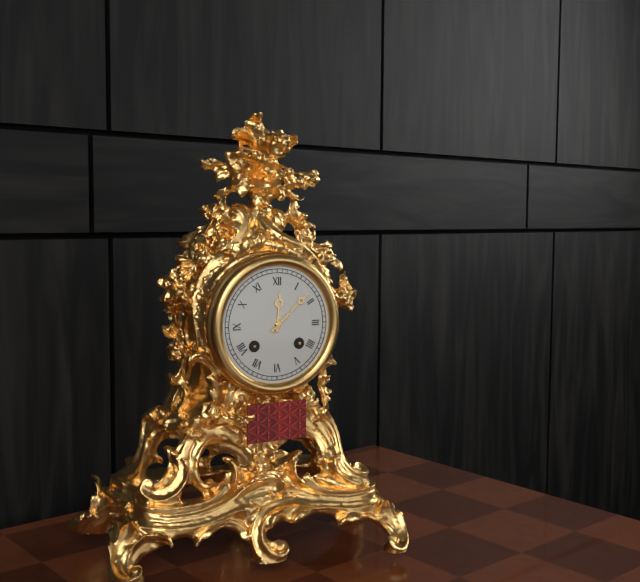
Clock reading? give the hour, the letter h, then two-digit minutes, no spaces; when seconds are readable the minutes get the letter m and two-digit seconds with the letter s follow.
12h08
